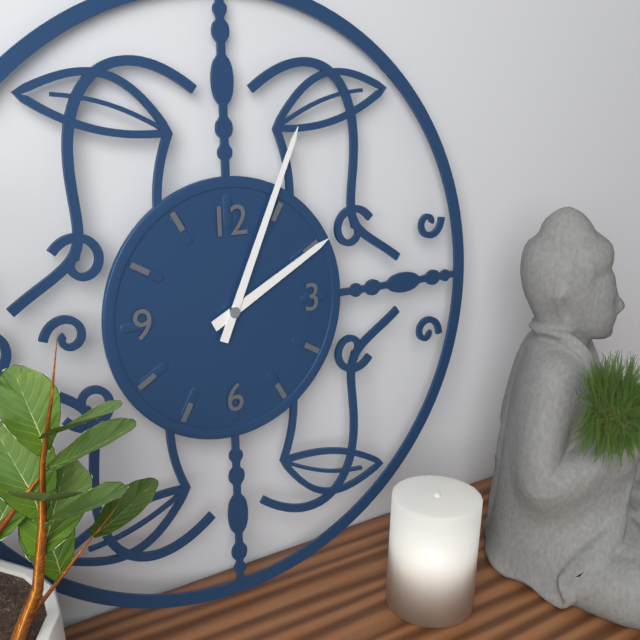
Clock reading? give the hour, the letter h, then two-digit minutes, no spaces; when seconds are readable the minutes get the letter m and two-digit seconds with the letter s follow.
2h04
